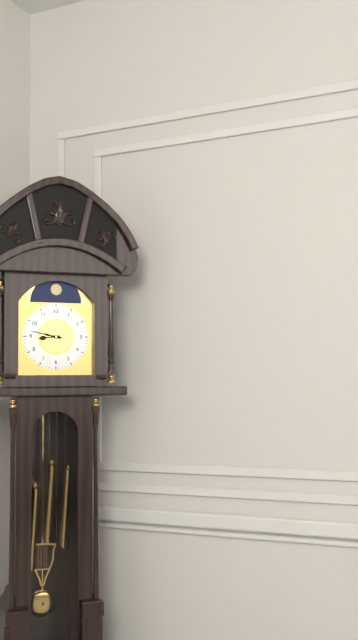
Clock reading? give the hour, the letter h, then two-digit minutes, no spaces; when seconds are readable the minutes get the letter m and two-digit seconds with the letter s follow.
8h47
